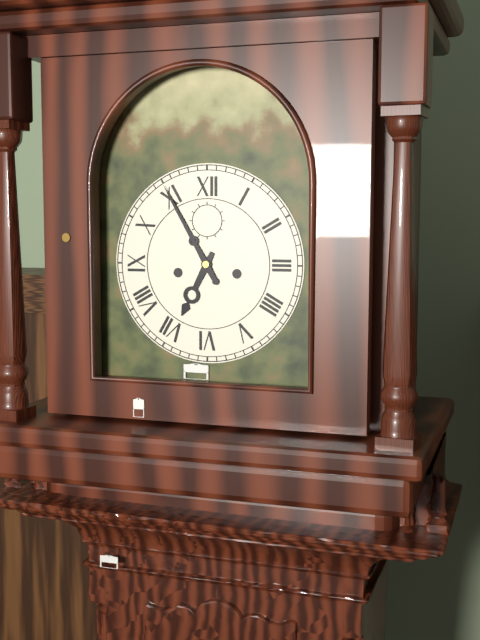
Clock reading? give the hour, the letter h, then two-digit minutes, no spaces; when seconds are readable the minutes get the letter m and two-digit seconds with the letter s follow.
6h55
